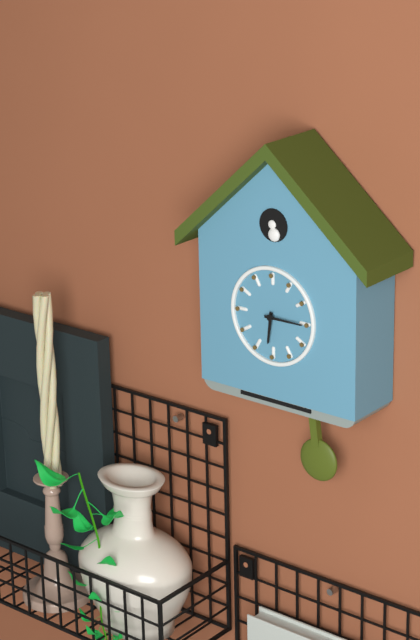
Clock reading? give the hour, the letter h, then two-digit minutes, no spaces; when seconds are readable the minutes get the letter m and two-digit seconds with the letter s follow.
6h15
